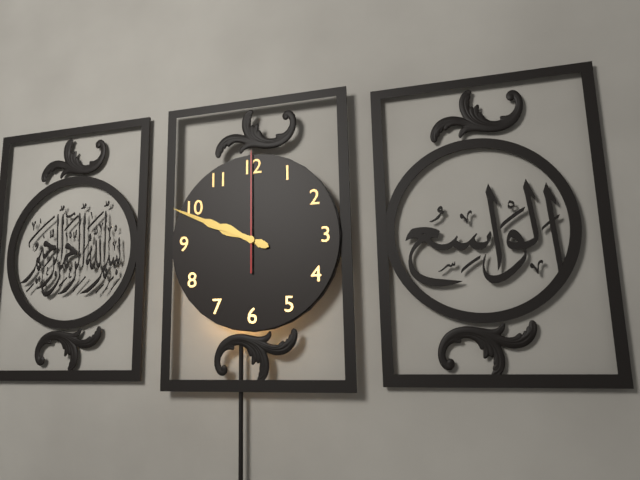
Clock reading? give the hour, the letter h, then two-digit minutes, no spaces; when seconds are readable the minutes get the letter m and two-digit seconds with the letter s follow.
9h49m00s
